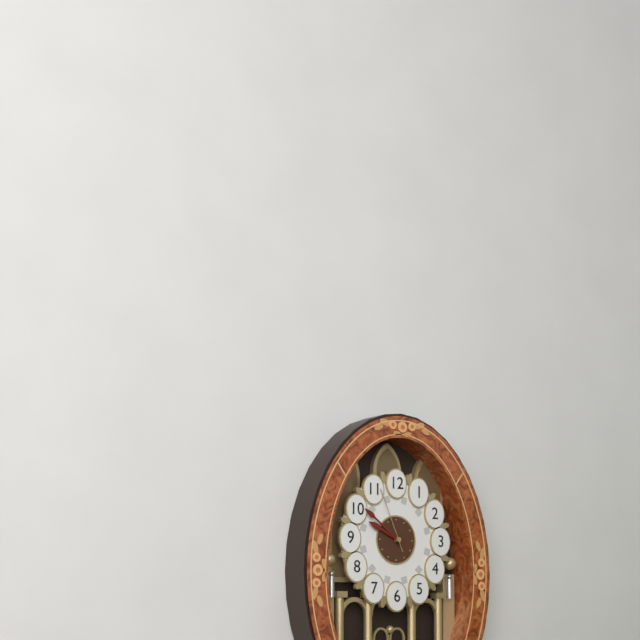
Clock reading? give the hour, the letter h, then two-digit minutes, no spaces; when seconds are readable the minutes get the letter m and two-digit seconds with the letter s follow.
9h51m56s
